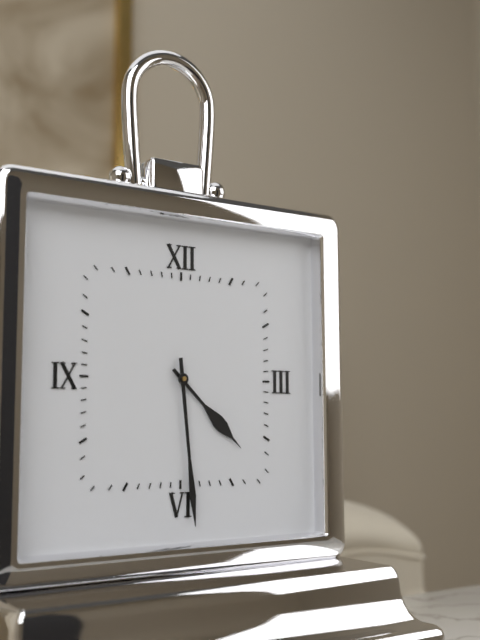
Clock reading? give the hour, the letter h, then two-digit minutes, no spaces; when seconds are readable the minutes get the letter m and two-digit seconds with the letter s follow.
4h29
